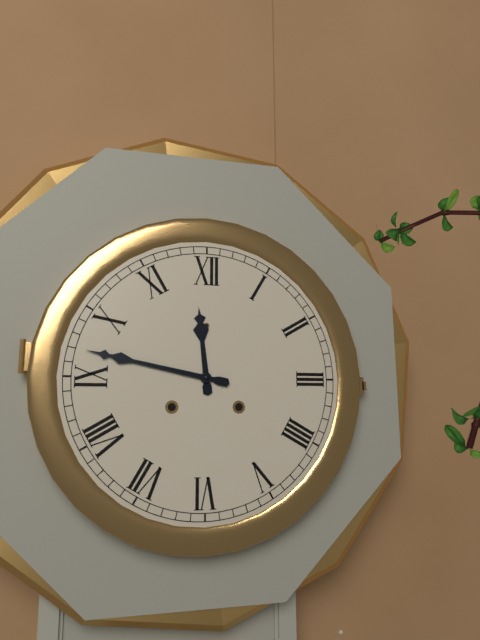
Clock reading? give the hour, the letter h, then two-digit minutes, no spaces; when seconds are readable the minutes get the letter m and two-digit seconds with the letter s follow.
11h47
